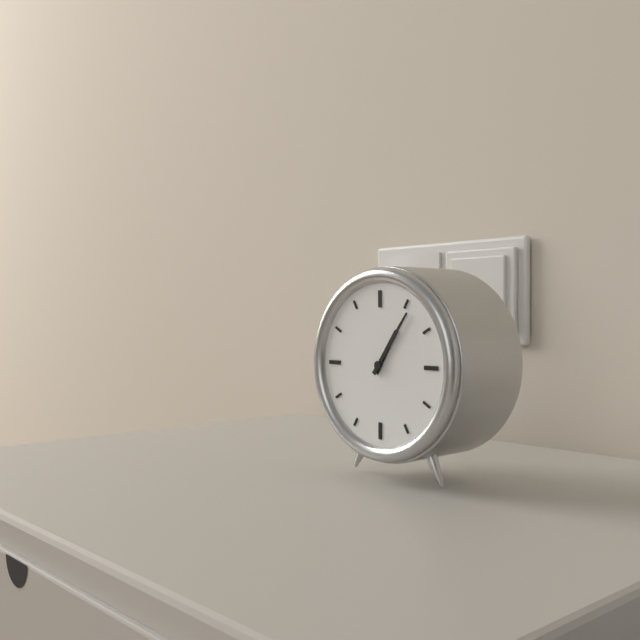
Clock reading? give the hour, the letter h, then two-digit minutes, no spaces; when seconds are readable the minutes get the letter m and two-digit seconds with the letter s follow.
1h06
